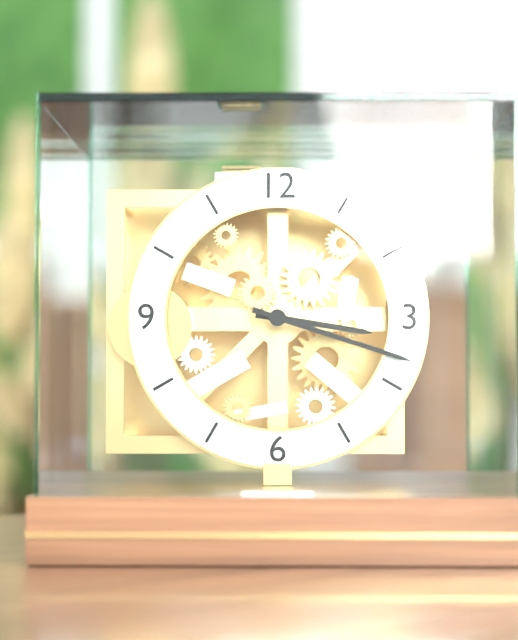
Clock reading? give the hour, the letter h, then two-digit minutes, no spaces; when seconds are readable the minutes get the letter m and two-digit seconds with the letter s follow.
3h18
